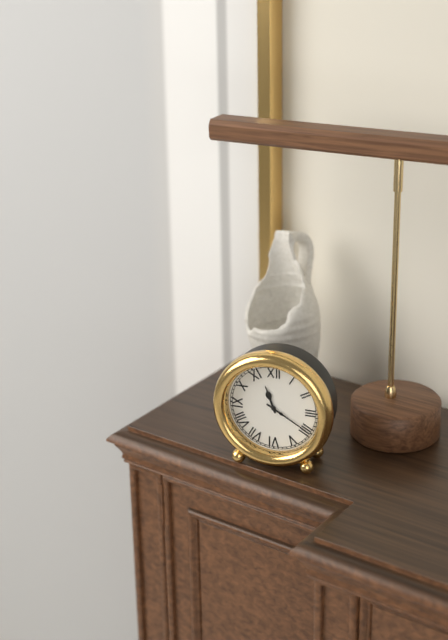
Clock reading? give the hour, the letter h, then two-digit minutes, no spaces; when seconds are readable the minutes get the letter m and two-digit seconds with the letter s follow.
11h20
